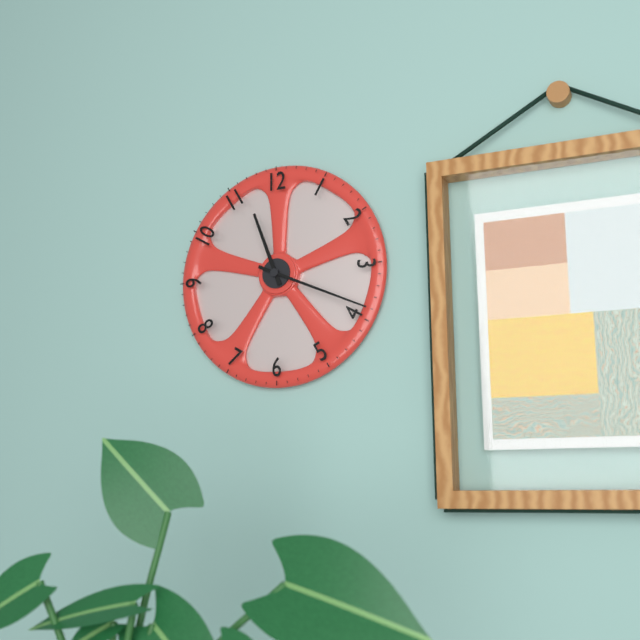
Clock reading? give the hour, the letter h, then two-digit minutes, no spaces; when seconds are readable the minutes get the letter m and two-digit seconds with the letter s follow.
11h19
